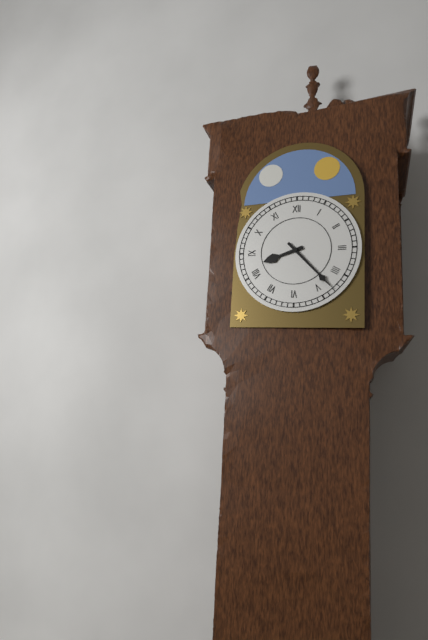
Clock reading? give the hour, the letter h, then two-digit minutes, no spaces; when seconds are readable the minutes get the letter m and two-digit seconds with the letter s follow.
8h23
